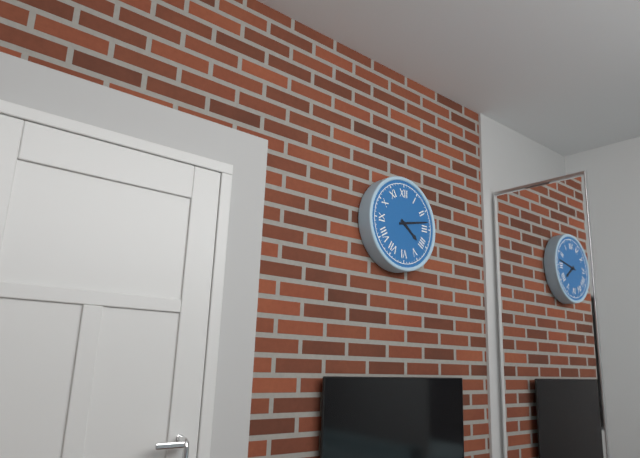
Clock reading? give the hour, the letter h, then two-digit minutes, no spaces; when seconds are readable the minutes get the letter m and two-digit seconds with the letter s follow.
4h13
